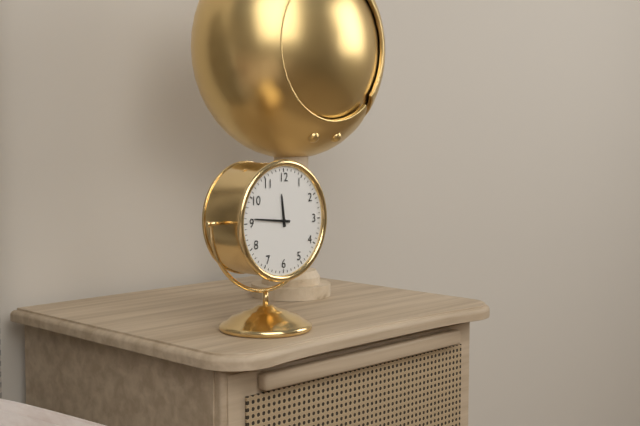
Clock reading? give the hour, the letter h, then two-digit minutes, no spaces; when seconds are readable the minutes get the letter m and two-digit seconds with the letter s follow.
11h46
